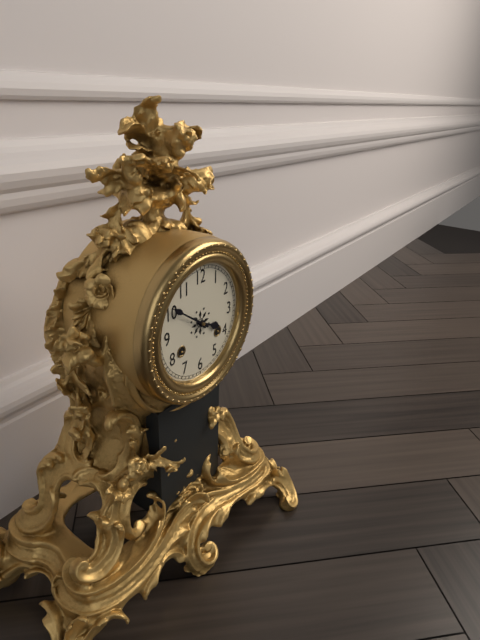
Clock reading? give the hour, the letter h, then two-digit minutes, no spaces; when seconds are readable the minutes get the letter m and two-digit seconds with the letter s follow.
3h51
